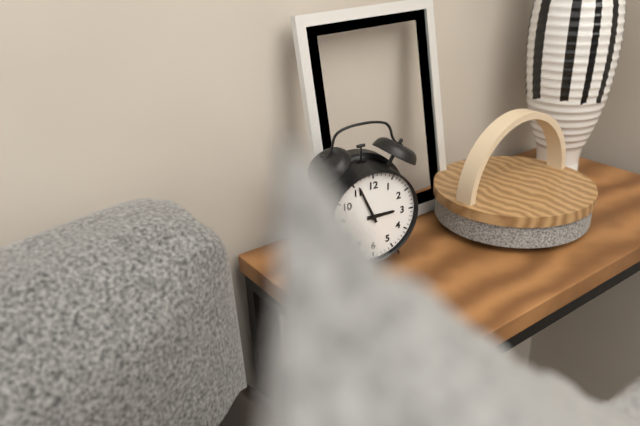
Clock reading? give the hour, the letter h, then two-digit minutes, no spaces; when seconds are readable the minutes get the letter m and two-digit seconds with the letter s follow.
2h56
